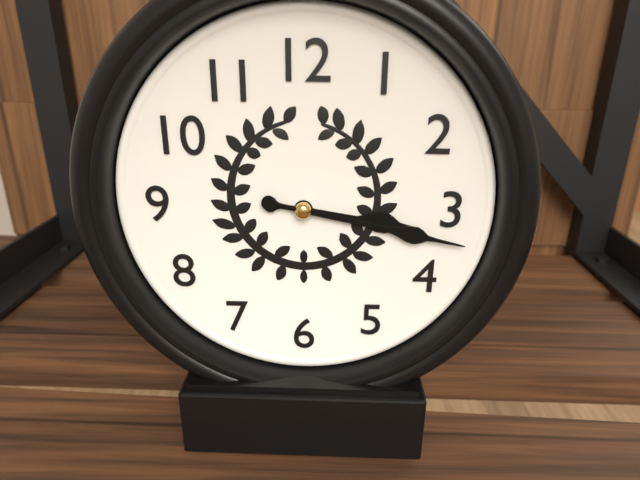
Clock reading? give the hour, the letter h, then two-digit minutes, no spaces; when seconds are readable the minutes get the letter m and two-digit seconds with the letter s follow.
3h17
